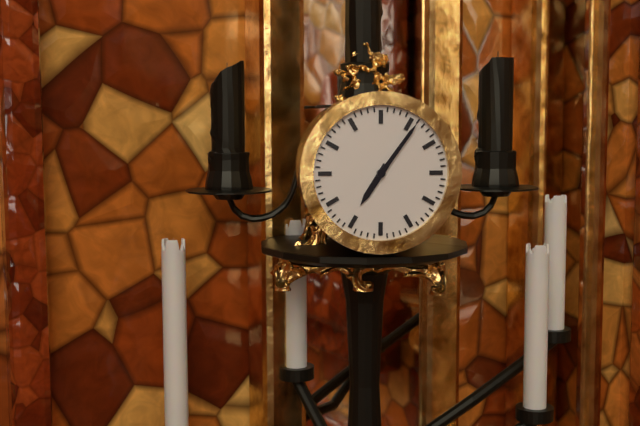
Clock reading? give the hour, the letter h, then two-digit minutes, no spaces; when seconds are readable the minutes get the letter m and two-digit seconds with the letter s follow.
7h06
